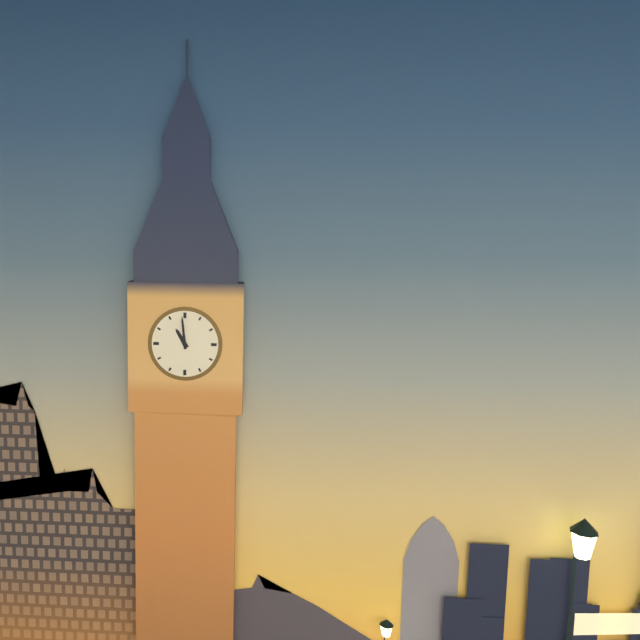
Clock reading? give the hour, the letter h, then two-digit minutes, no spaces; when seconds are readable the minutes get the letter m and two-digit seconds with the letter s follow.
10h59
